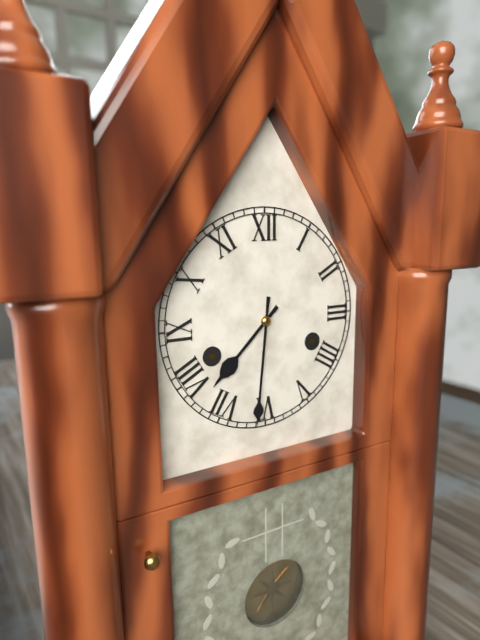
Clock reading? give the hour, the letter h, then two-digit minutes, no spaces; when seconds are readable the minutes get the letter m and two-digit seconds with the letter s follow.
7h31
